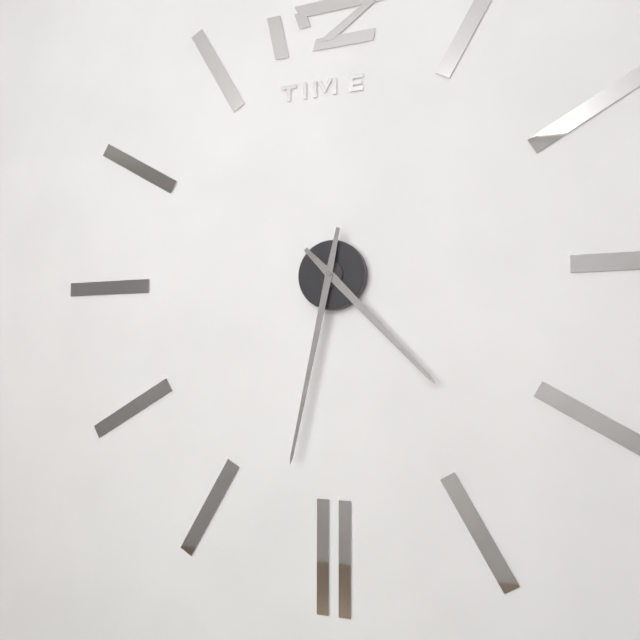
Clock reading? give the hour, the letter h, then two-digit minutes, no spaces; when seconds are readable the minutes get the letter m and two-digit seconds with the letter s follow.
4h32
